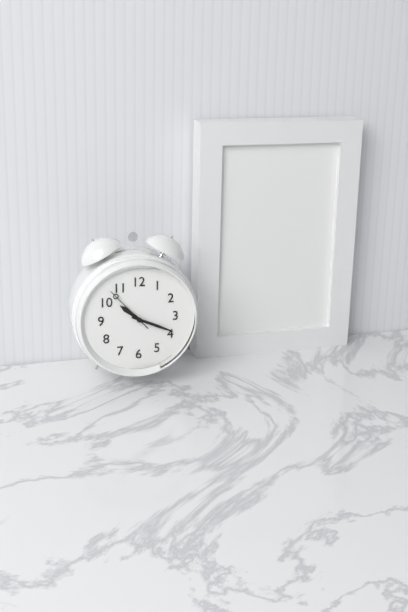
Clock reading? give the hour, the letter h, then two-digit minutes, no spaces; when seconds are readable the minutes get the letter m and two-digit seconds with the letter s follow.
10h19m53s
